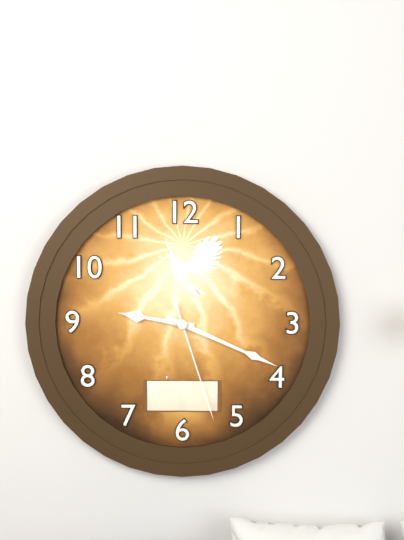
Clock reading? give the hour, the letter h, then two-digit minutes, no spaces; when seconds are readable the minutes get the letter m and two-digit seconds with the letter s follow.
9h19m27s
